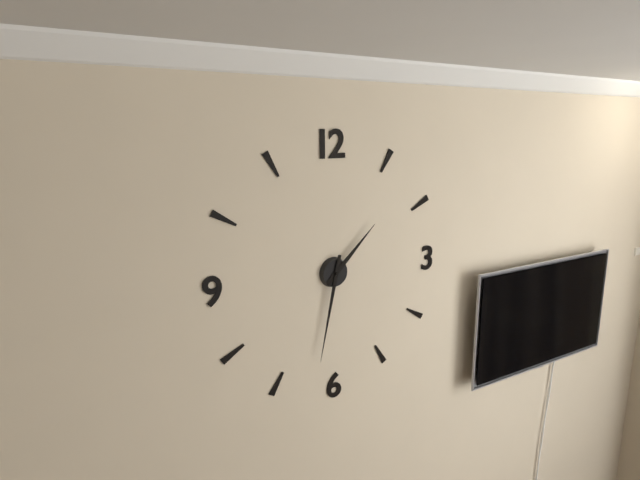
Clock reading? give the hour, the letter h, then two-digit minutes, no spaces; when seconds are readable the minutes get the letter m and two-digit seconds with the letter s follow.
1h32
